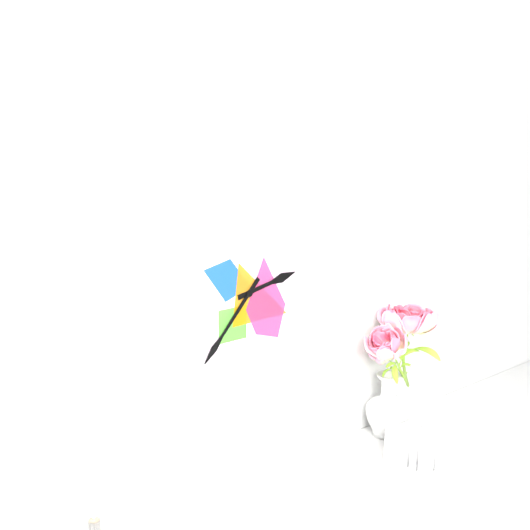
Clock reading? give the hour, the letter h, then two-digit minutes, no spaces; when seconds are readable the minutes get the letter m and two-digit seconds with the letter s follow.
2h37
